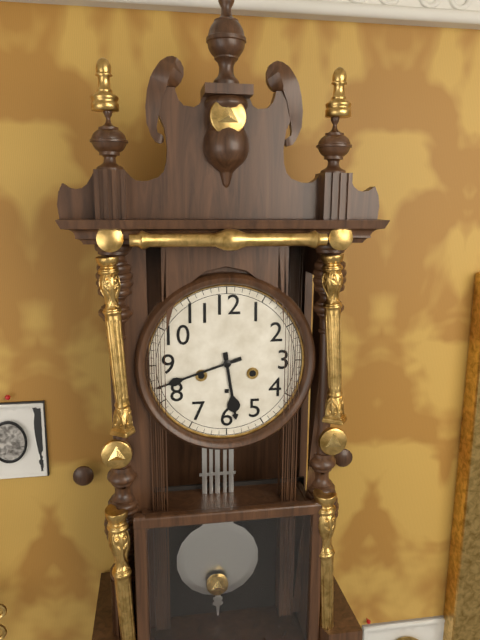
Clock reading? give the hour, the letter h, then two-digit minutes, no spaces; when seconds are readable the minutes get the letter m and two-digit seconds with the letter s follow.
5h42
